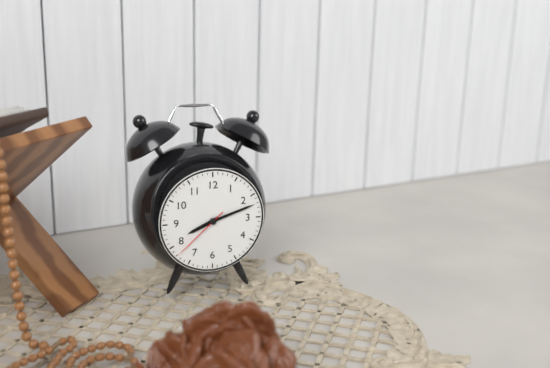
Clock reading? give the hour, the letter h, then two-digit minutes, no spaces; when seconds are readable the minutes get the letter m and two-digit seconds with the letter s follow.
8h12m38s
